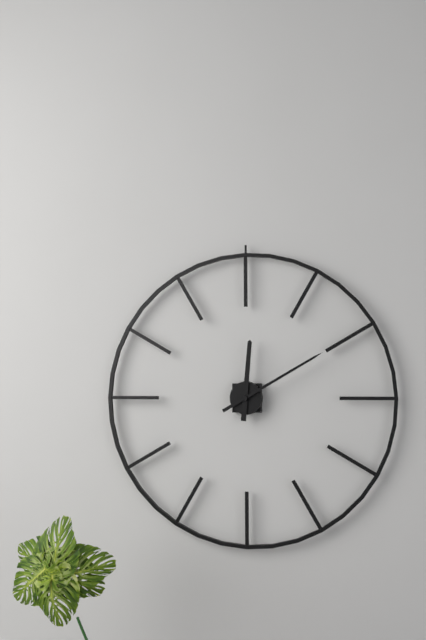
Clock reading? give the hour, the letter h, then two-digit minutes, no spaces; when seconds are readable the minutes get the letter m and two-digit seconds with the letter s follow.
12h10
